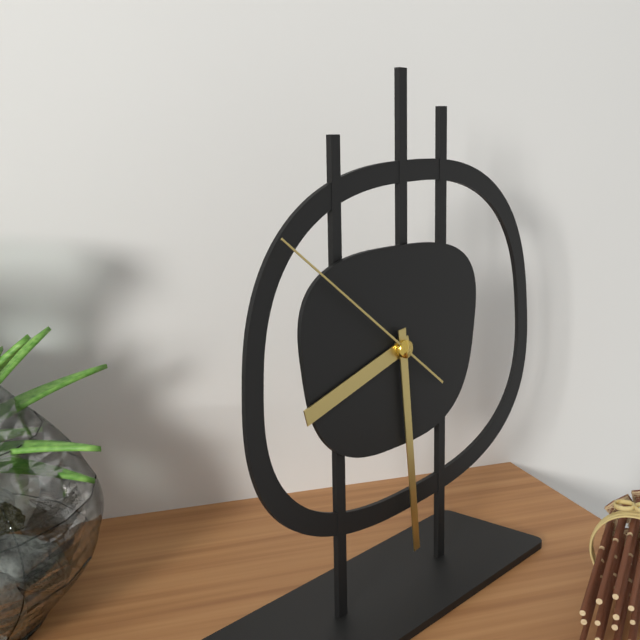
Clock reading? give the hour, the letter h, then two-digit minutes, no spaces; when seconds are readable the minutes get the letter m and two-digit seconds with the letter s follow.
8h29m51s
